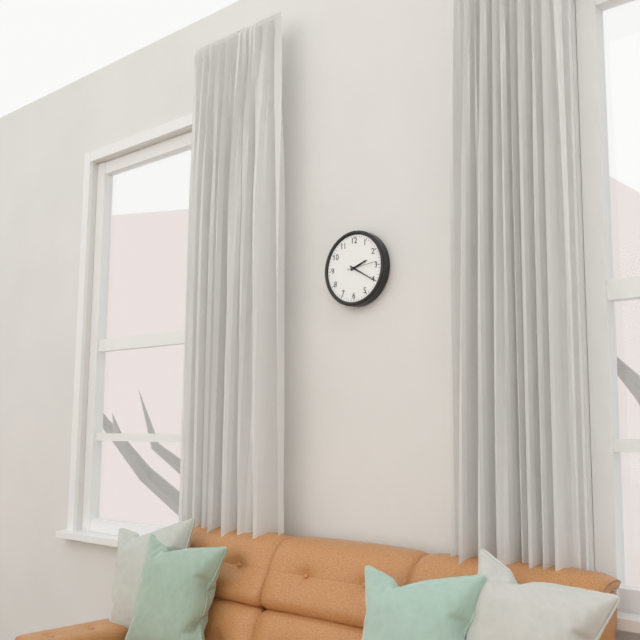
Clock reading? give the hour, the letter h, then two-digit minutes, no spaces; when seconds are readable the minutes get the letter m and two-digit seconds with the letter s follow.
2h20
